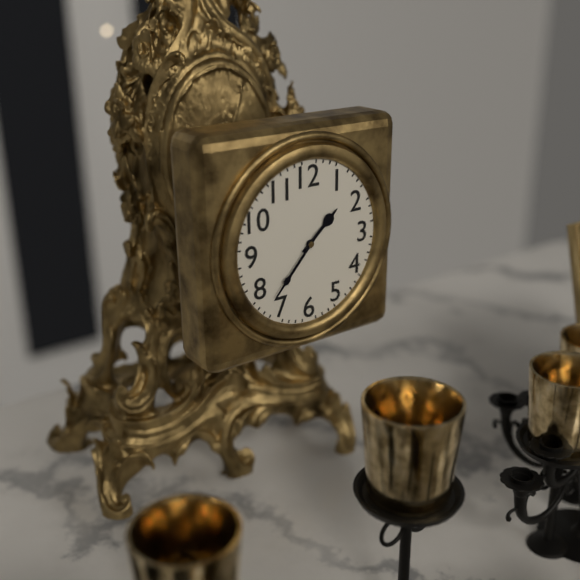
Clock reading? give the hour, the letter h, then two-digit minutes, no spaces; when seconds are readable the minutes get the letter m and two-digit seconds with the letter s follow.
1h37
